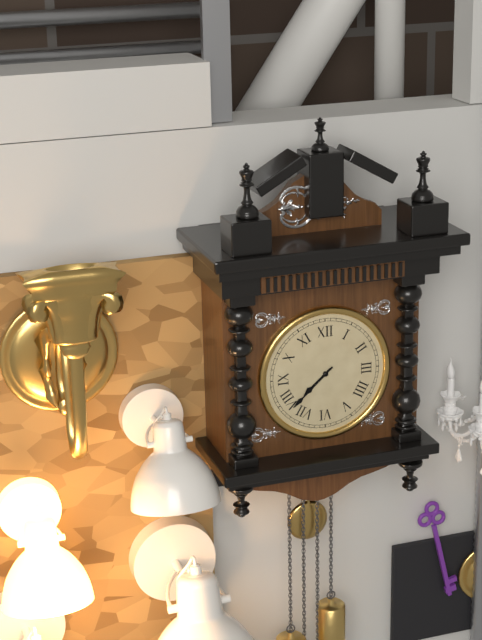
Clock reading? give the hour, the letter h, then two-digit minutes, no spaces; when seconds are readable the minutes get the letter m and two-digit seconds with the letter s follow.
7h38
